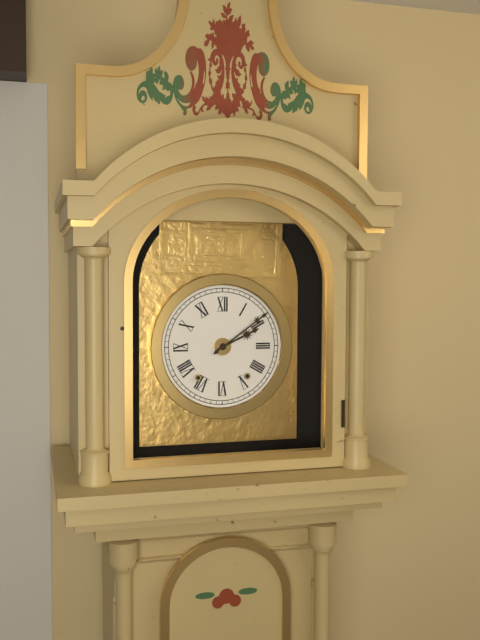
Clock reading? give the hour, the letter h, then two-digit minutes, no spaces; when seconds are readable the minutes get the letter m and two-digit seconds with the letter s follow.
2h09
